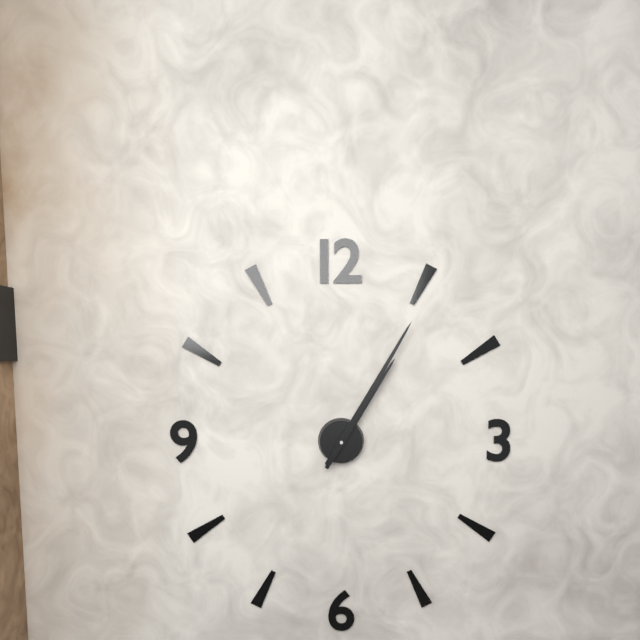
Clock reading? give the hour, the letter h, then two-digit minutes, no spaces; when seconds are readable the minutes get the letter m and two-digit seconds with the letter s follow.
1h05
